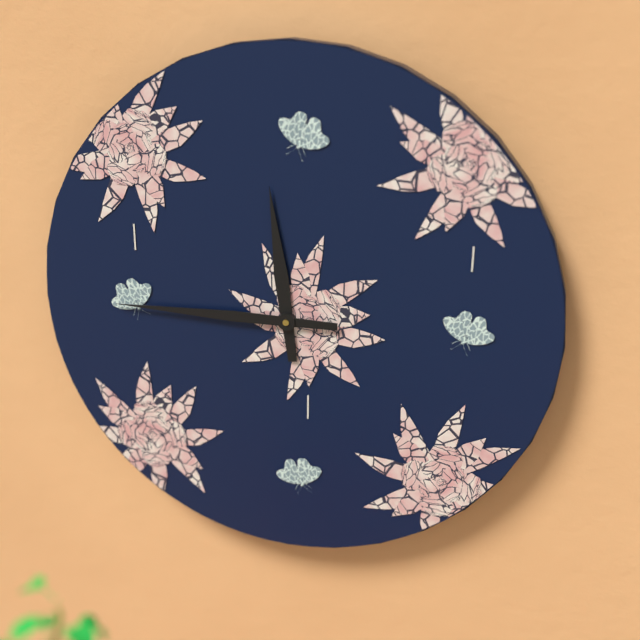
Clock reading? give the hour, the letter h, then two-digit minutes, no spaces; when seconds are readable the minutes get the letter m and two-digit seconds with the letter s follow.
11h45
